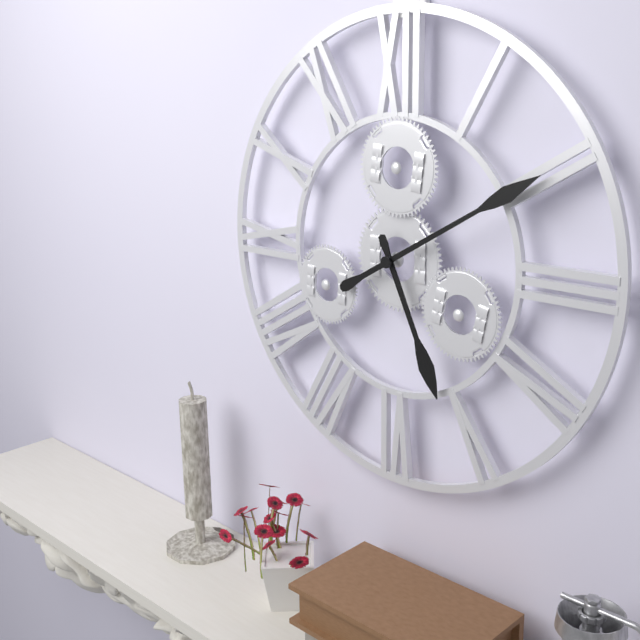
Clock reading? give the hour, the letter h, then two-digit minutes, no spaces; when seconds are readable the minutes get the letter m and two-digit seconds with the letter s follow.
5h10
